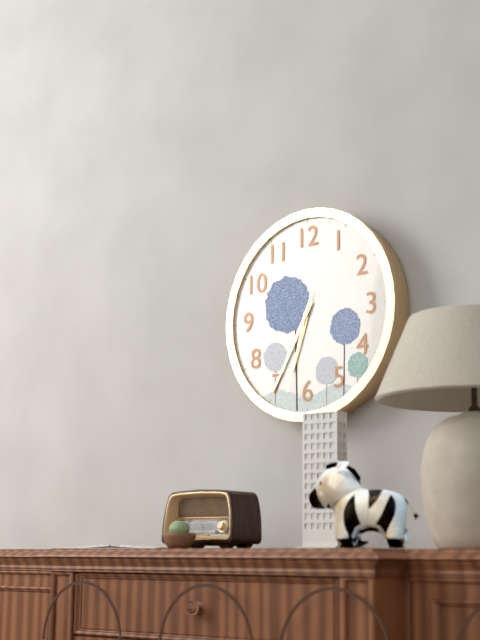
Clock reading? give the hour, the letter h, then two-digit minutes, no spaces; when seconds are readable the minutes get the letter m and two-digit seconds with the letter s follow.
6h35m33s
